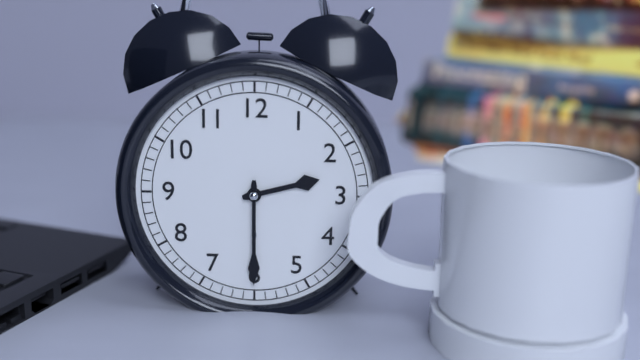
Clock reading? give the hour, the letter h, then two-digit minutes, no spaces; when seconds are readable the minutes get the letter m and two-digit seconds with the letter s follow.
2h30
